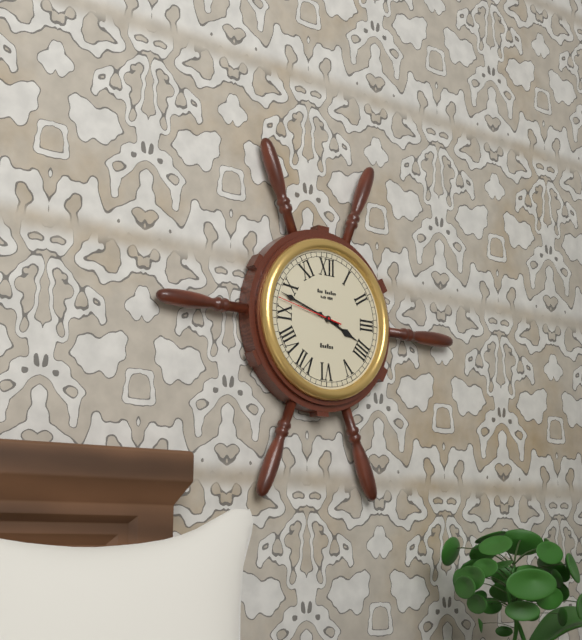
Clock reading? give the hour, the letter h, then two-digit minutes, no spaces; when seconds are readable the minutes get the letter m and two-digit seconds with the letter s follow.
3h48m47s
